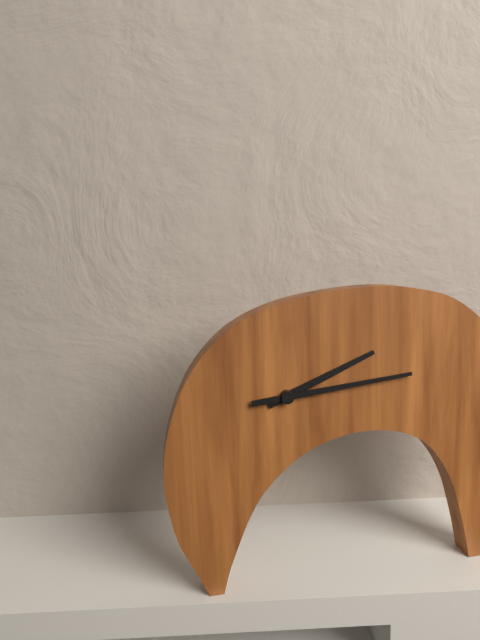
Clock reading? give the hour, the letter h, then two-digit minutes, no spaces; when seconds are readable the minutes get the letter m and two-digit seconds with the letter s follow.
2h14
